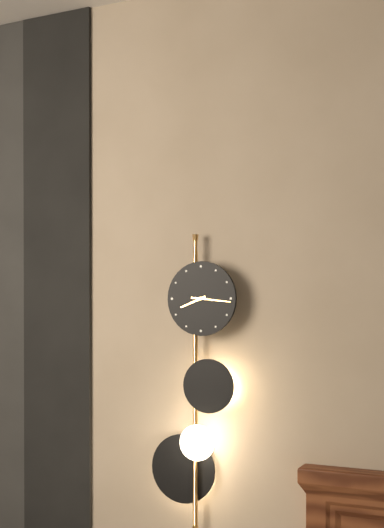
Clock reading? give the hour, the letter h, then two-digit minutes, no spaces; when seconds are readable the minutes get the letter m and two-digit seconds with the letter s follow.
8h16
